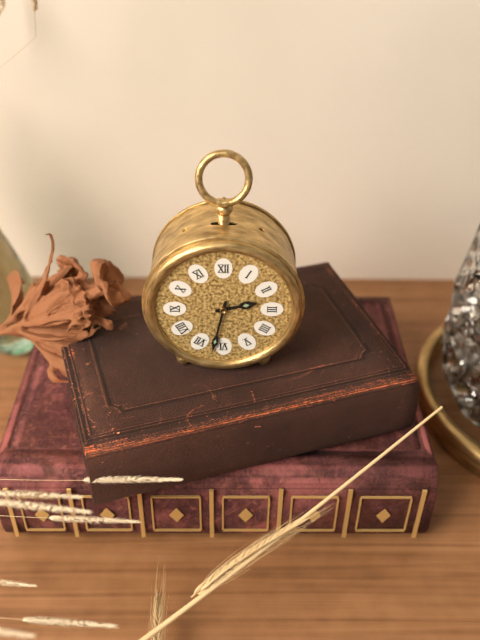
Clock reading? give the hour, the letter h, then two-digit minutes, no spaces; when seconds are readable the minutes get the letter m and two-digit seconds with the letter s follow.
2h32
